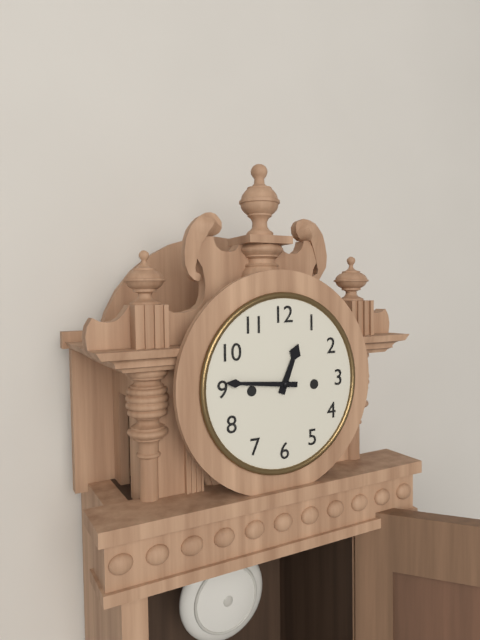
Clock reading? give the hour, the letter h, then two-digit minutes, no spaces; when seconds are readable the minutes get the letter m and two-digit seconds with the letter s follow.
12h46
